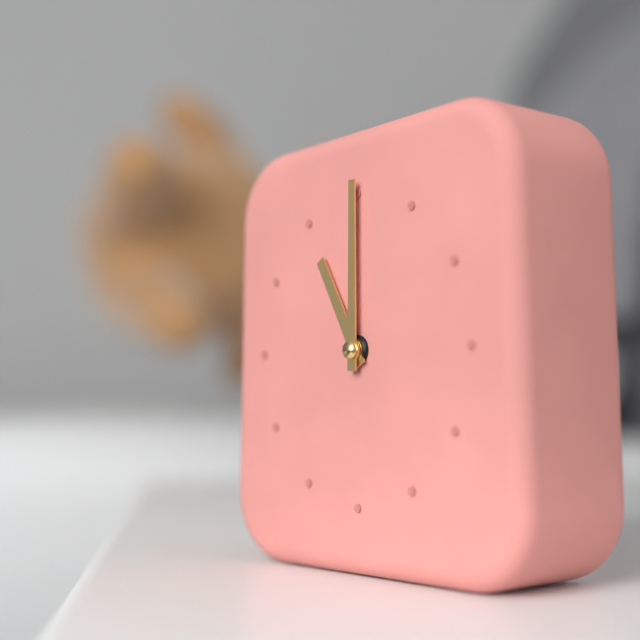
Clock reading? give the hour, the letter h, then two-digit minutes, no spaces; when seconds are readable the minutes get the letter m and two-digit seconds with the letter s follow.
11h00
